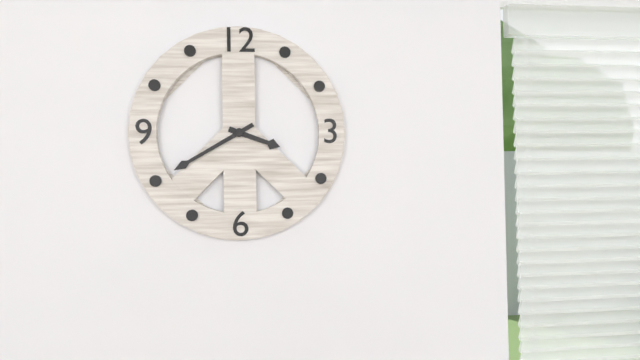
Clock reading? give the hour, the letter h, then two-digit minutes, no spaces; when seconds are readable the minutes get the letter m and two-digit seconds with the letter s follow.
3h40
